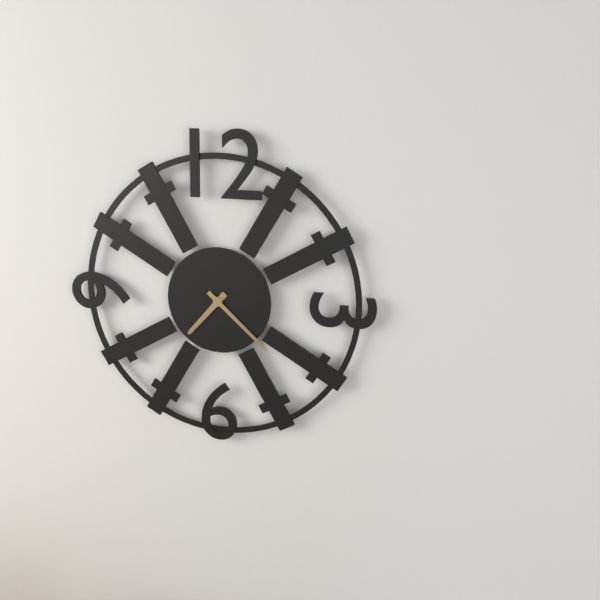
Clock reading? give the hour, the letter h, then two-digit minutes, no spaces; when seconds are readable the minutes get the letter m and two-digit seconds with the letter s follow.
7h22
